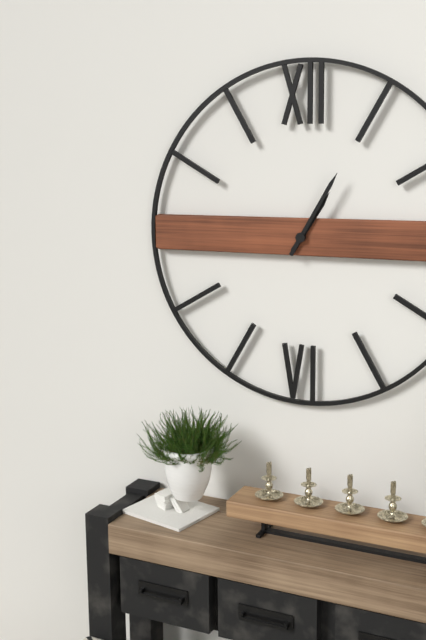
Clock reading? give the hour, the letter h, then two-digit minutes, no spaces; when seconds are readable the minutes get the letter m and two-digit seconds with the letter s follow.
1h05
